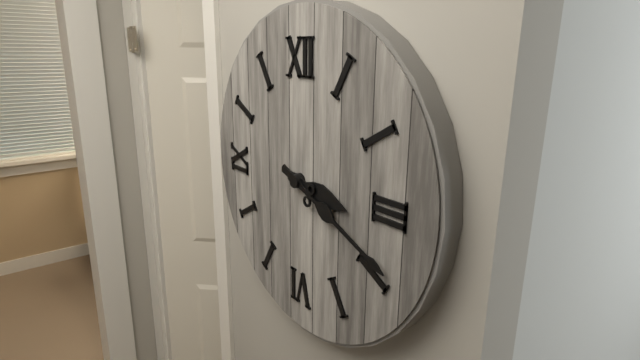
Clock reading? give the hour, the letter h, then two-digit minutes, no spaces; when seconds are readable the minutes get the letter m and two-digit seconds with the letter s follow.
3h19
